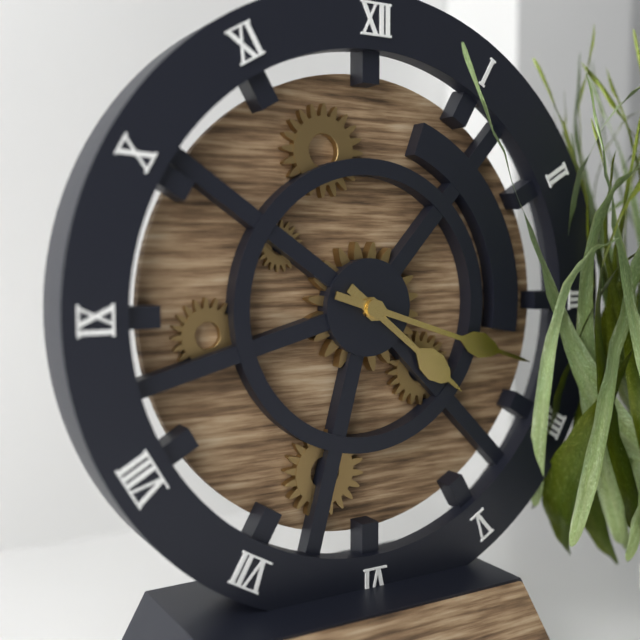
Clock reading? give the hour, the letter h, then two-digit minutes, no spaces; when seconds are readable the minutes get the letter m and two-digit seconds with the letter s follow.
4h18
